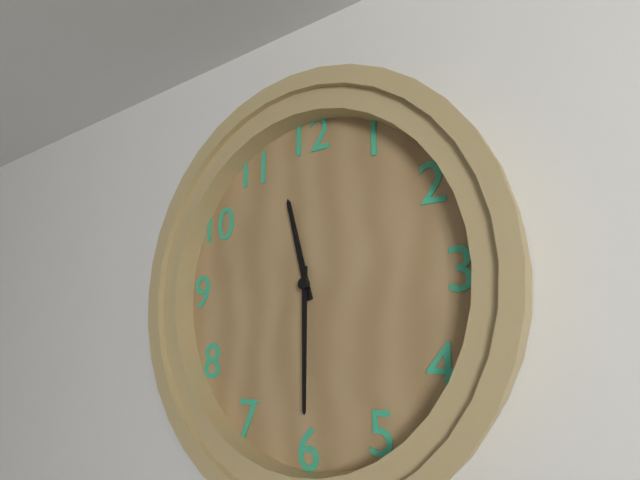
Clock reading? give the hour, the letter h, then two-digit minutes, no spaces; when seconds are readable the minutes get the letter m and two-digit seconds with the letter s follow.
11h30
